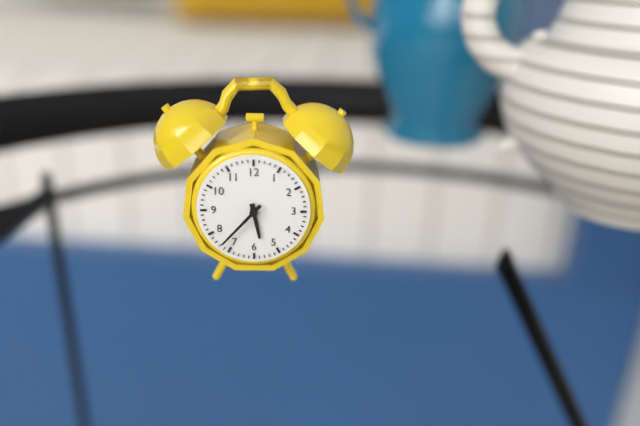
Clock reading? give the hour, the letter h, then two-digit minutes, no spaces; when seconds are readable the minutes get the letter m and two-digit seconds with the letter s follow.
5h37
